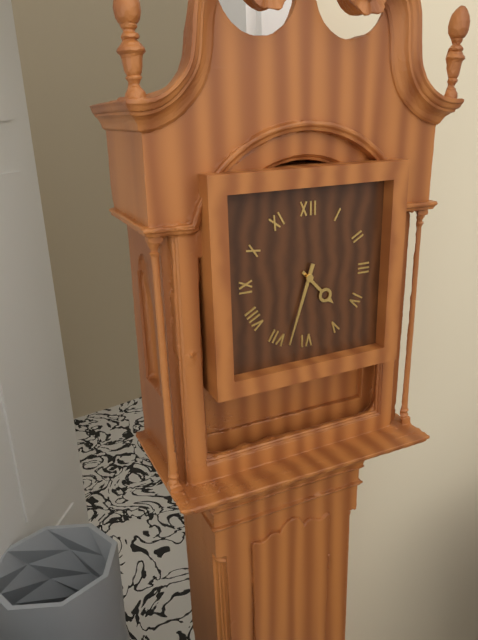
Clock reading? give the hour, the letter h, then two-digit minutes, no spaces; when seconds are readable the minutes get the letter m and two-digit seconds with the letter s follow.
4h33
